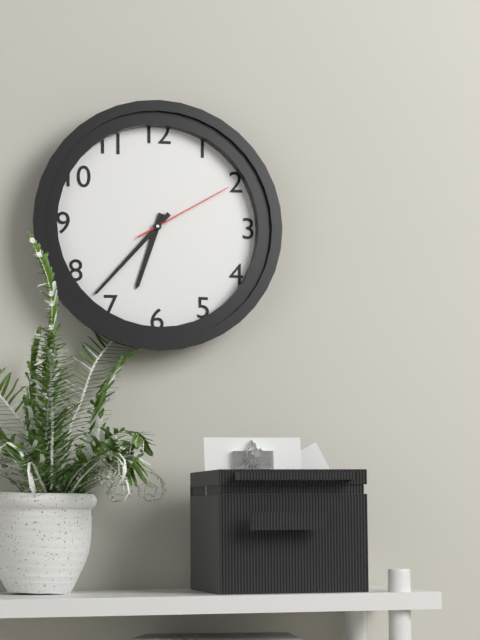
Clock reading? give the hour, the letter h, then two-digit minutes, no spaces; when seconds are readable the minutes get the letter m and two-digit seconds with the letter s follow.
6h37m10s
